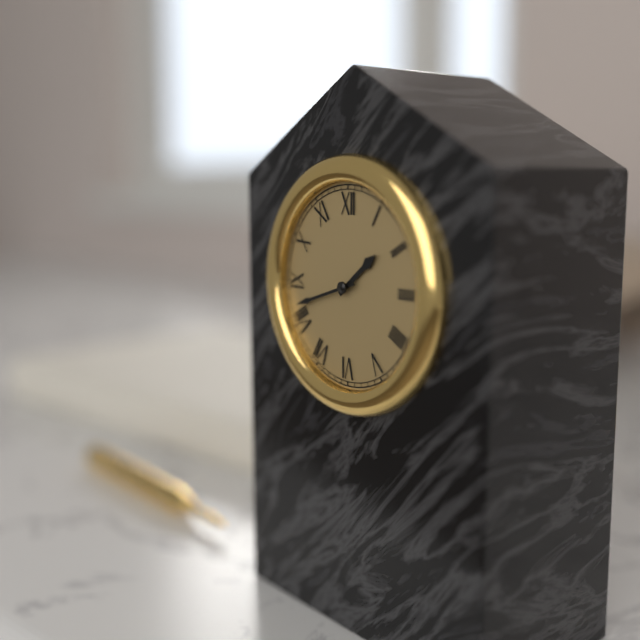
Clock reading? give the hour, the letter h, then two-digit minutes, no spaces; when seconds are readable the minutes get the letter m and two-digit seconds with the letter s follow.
1h42
